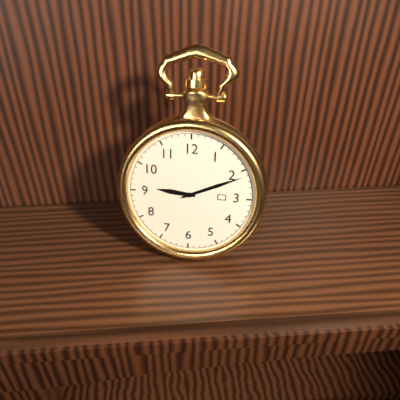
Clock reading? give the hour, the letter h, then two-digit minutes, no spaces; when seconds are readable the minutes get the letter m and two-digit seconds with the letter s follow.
9h11
